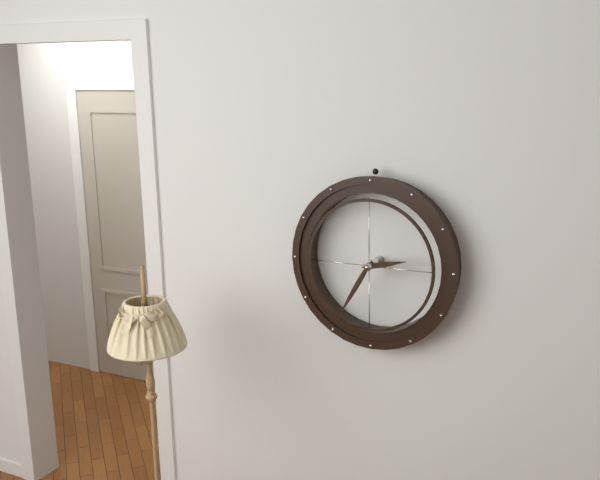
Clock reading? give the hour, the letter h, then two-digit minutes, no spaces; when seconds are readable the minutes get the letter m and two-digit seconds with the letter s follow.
2h35
